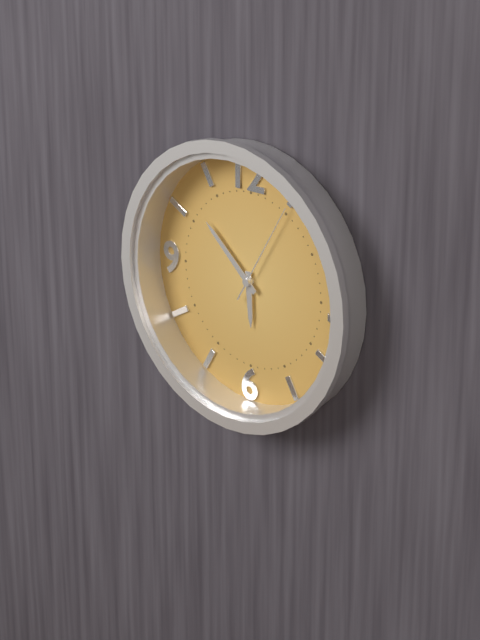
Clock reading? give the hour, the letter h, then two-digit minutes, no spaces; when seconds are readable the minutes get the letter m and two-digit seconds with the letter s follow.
5h52m05s
